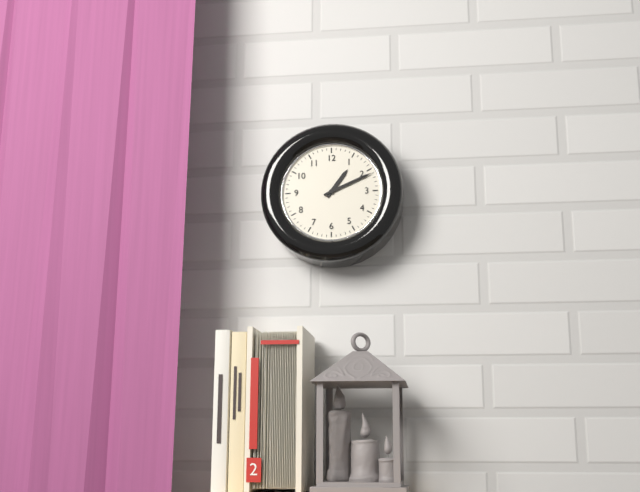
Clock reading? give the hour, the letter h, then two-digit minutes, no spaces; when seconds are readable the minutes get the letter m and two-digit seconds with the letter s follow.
1h11
